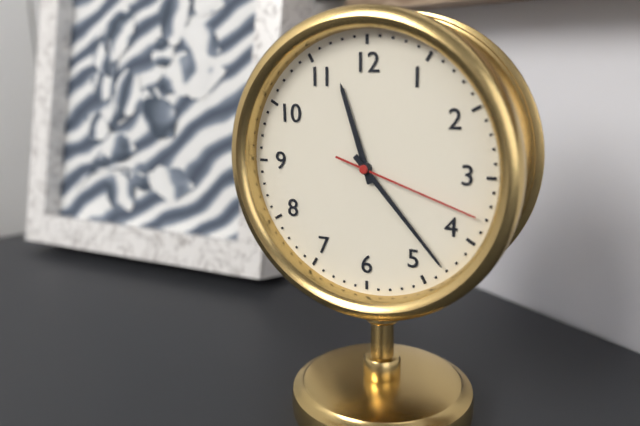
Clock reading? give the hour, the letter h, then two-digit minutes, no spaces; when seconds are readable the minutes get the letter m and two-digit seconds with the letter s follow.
11h23m18s
